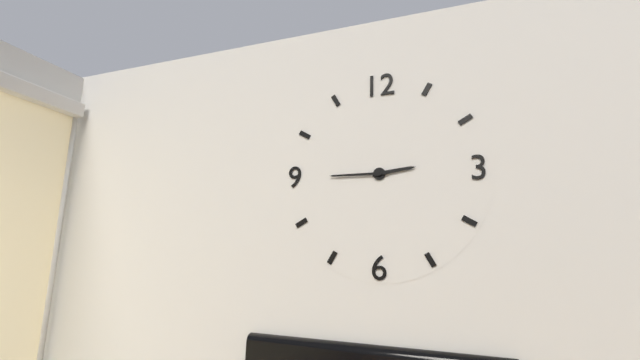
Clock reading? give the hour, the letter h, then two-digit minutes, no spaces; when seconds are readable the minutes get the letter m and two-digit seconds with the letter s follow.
2h45
